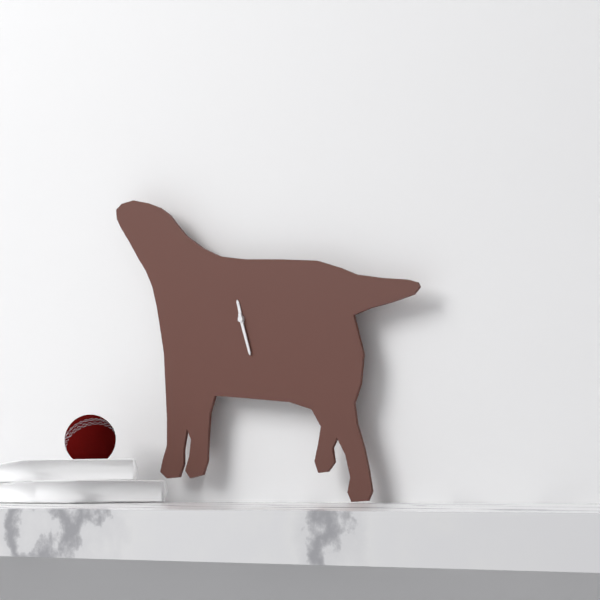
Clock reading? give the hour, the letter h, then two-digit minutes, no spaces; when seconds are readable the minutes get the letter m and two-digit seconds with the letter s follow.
11h27
